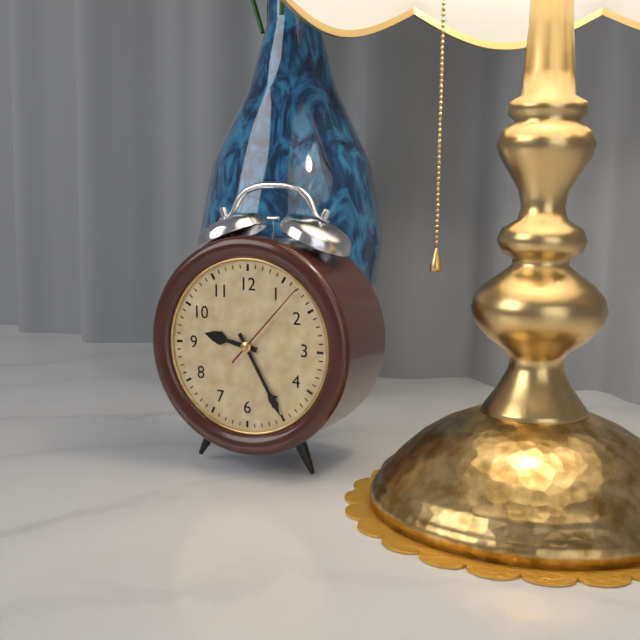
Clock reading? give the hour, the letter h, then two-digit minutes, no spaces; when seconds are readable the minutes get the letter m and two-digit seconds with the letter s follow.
9h25m07s
